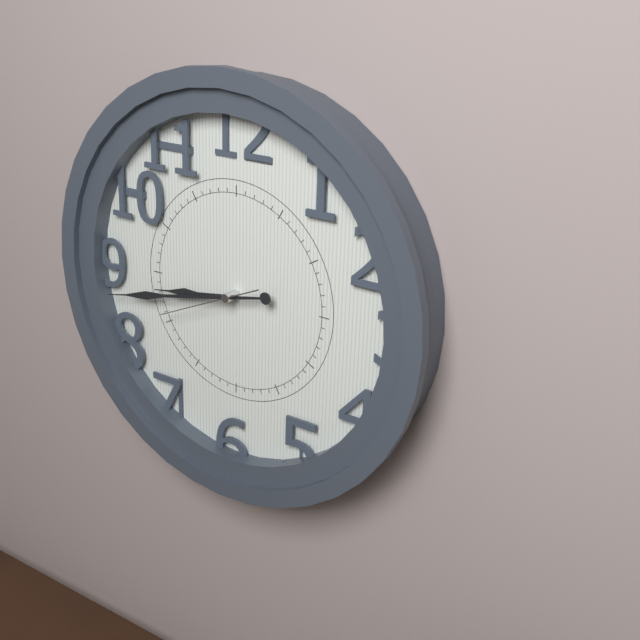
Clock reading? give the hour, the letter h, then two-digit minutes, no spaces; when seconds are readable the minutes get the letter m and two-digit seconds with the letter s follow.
8h43m41s
